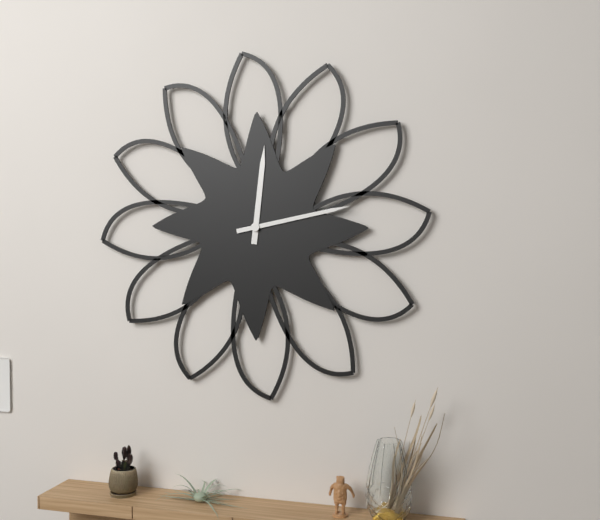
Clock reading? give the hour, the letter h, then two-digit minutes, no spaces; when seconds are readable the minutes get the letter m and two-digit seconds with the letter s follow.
12h13
